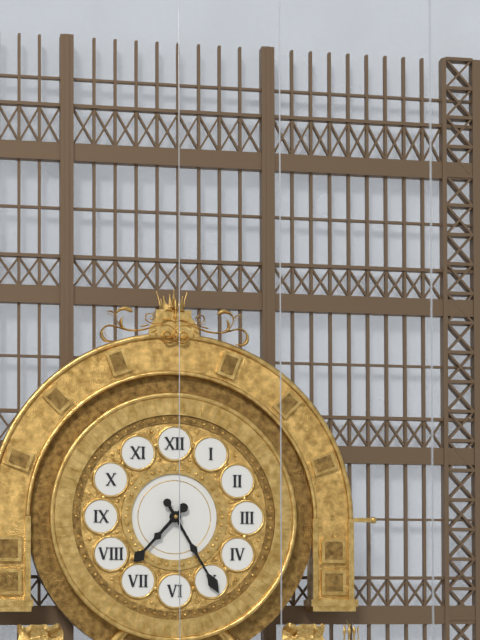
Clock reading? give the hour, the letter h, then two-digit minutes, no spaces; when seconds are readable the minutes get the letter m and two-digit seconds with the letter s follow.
7h25
